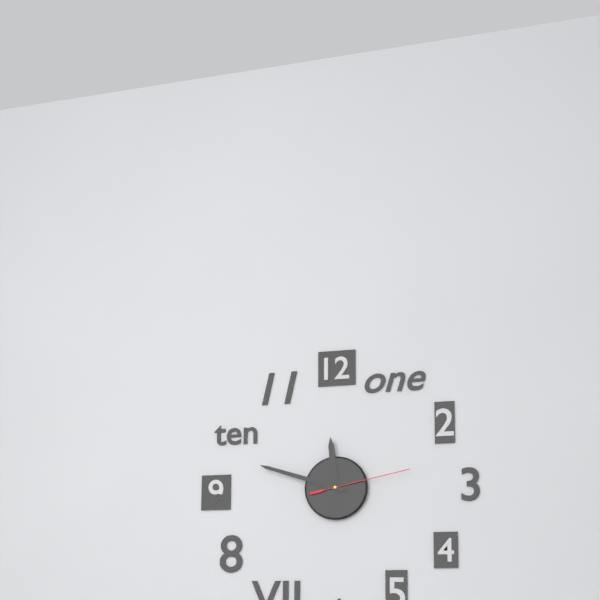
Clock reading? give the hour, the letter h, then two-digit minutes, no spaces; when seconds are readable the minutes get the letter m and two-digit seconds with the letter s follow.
11h48m13s
